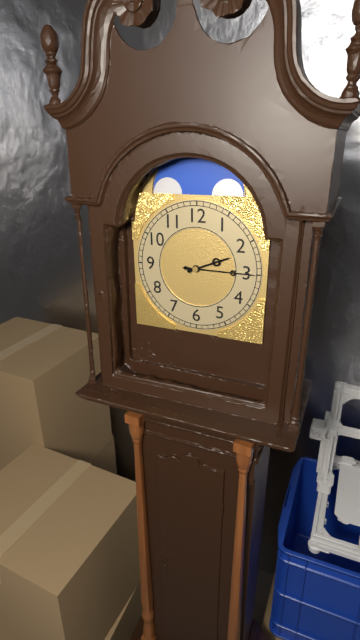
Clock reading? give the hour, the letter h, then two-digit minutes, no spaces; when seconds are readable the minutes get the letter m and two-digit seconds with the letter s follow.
2h15
